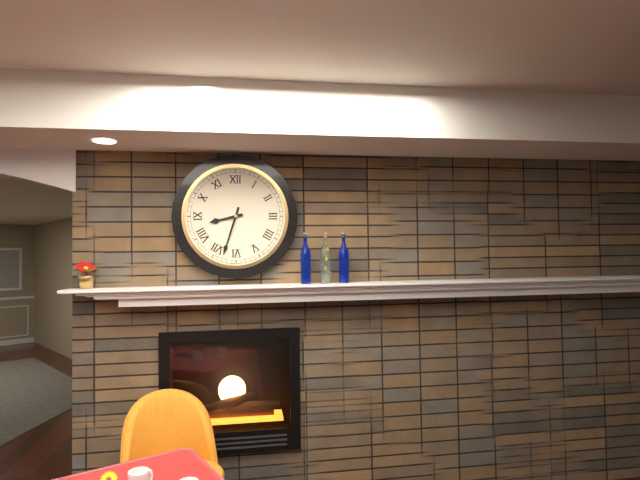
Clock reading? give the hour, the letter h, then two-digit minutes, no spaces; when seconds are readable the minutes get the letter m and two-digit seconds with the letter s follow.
8h33
